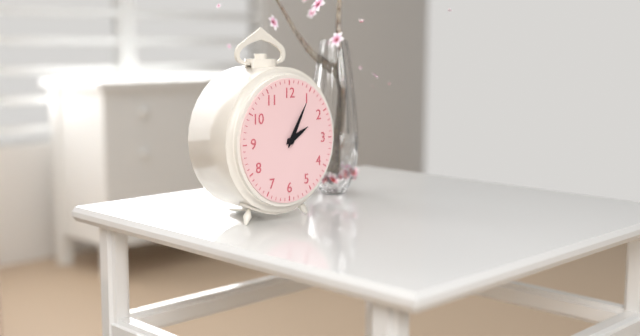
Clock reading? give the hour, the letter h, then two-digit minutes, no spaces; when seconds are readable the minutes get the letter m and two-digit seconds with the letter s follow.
2h05
